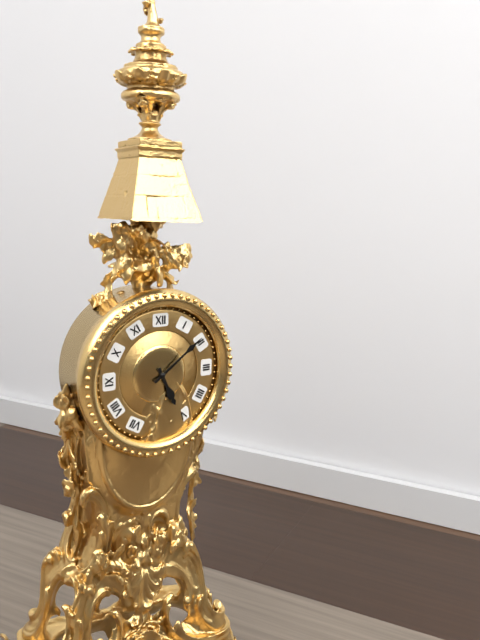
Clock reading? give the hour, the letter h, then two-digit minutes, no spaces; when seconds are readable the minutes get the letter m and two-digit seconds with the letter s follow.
5h09
